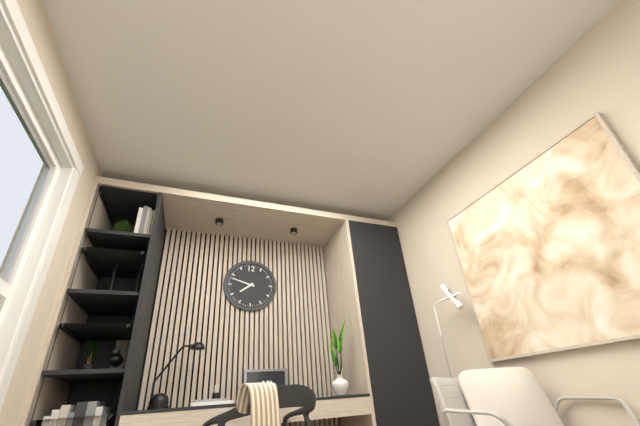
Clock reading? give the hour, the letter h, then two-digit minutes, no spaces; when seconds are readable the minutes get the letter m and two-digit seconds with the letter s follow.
7h48
